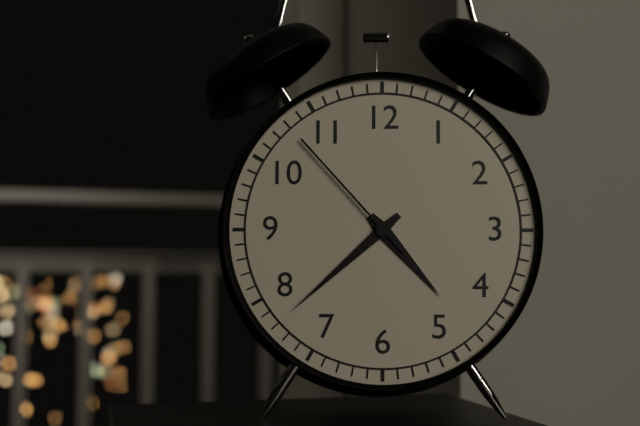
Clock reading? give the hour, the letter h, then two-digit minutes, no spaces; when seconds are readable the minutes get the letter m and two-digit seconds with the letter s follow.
4h38m53s
